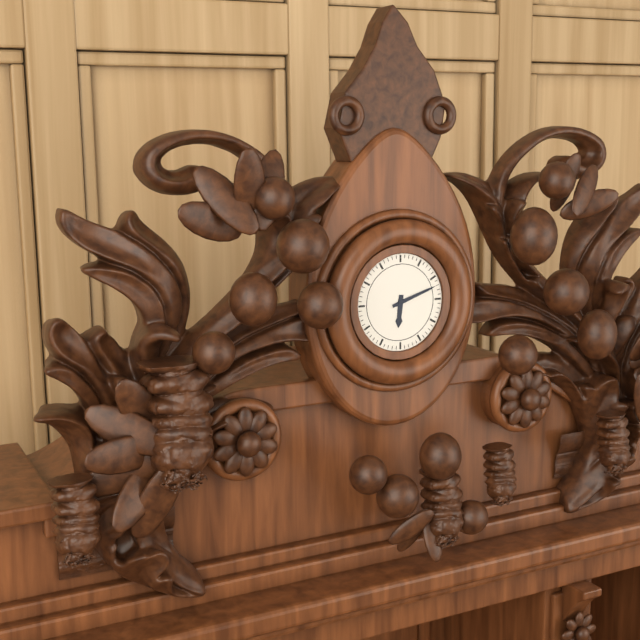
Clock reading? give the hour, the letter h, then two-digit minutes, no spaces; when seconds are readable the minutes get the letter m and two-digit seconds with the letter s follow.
6h12
